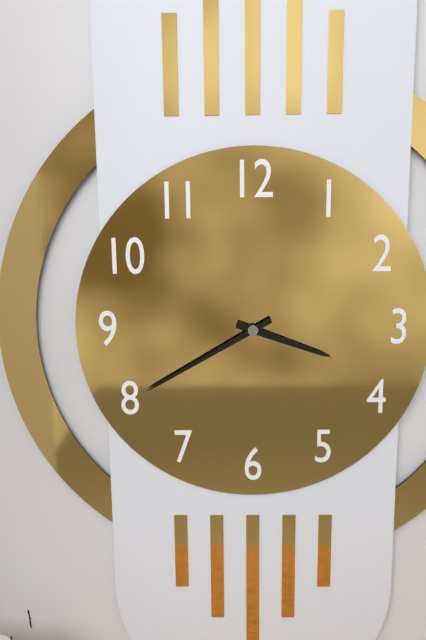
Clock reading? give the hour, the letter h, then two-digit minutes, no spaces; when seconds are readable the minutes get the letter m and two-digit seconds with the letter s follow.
3h40
